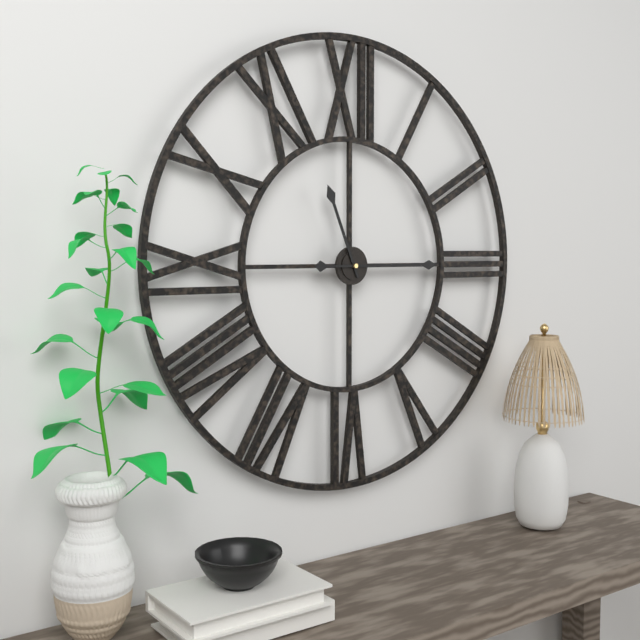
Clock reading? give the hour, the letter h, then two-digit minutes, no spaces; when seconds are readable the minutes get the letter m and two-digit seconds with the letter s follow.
11h15
